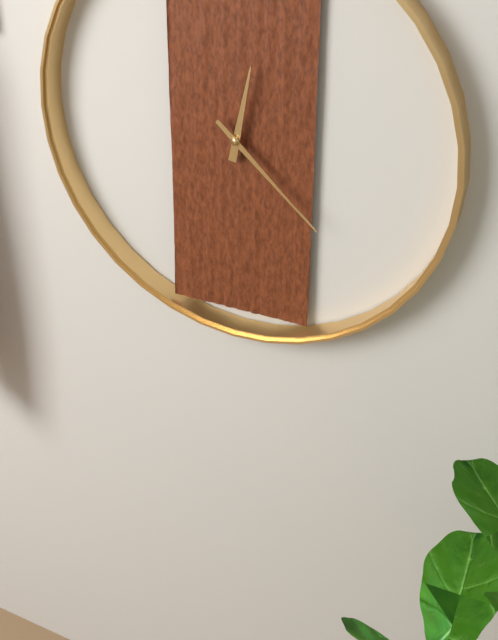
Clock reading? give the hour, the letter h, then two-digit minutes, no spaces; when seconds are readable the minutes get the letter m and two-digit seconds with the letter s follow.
12h22
